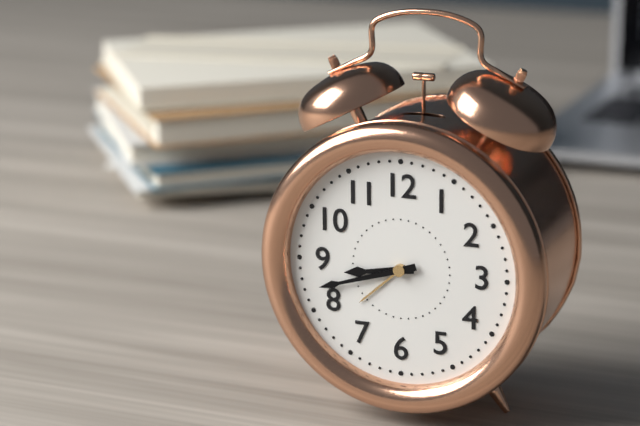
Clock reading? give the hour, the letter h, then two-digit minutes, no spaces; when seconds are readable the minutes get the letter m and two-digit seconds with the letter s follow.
8h42
